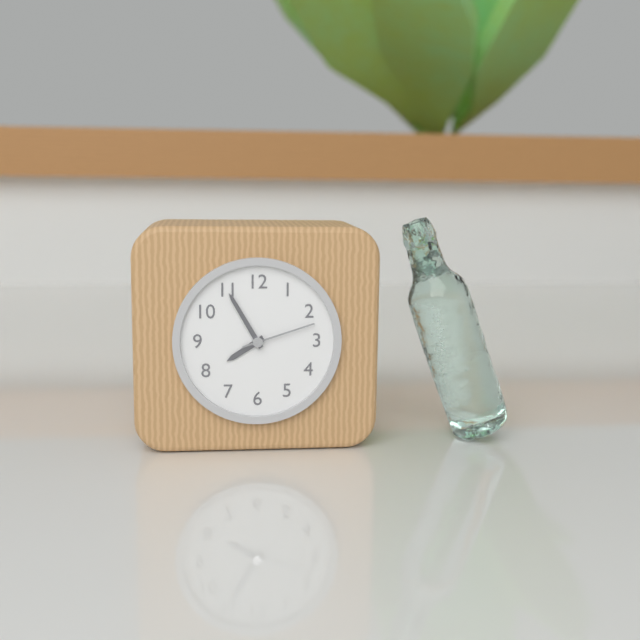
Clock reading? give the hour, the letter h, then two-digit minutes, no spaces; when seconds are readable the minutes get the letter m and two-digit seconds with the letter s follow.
7h55m12s
